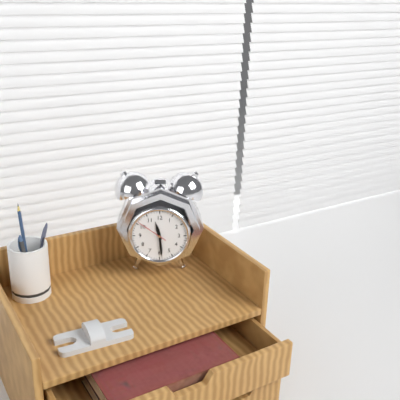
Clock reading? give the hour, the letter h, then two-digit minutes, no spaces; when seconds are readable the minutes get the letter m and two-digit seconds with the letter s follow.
11h29
